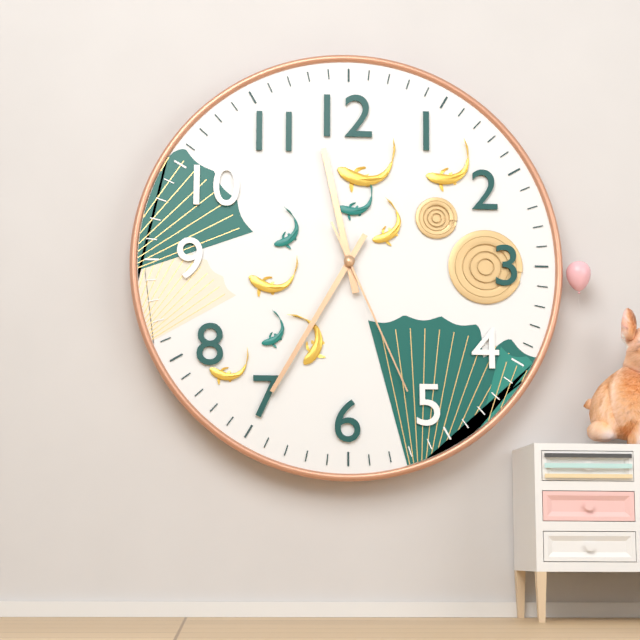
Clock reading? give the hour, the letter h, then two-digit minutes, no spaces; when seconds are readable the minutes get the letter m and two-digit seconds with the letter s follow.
11h35m26s
